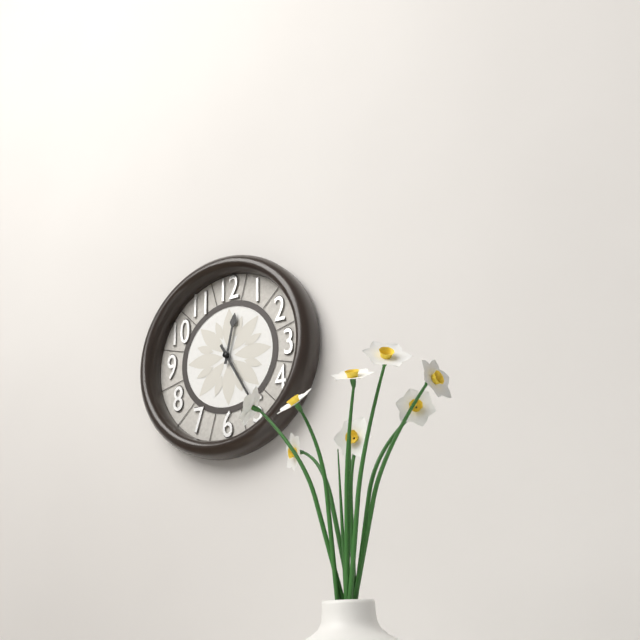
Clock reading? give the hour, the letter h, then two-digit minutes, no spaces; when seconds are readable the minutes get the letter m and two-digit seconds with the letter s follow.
12h25
